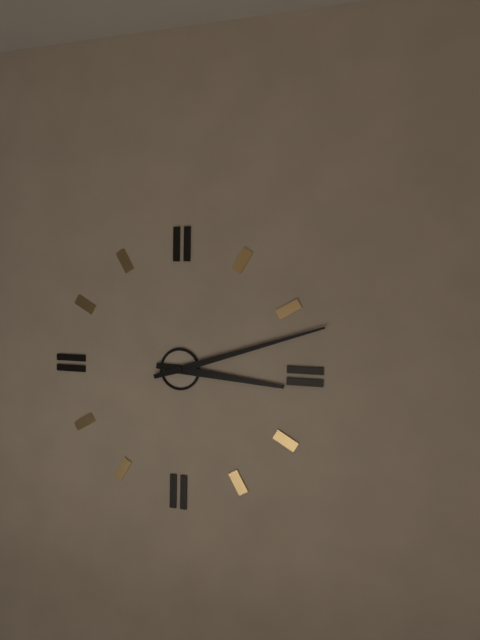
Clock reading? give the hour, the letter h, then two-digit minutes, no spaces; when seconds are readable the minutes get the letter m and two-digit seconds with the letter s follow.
3h12
